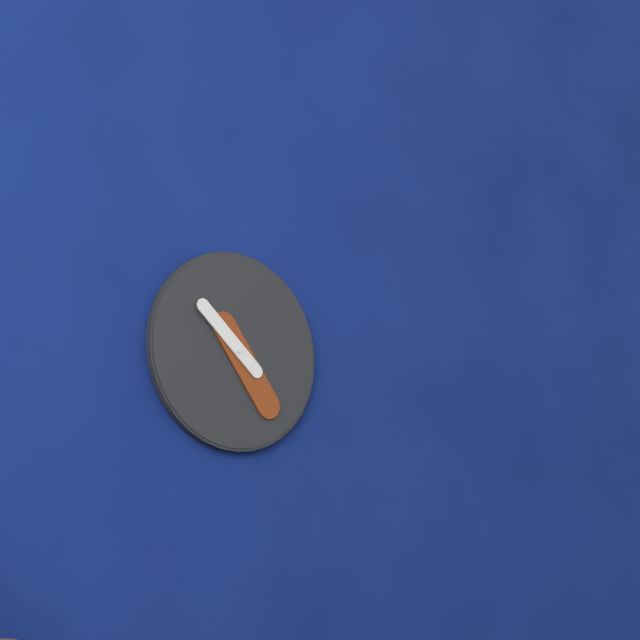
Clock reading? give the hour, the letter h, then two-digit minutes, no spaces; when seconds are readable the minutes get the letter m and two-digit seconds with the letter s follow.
10h24
